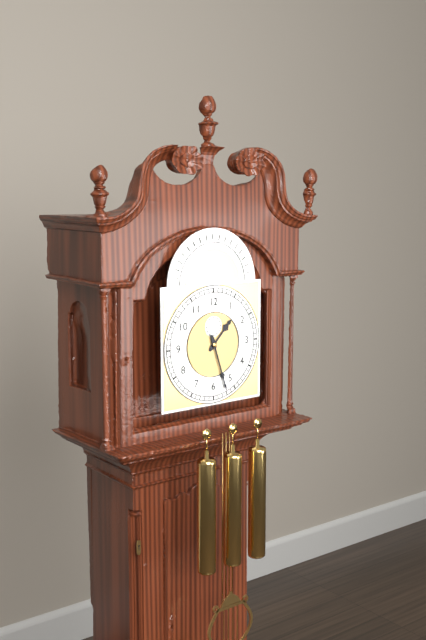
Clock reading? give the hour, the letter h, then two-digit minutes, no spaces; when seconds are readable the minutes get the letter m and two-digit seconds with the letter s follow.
1h27
